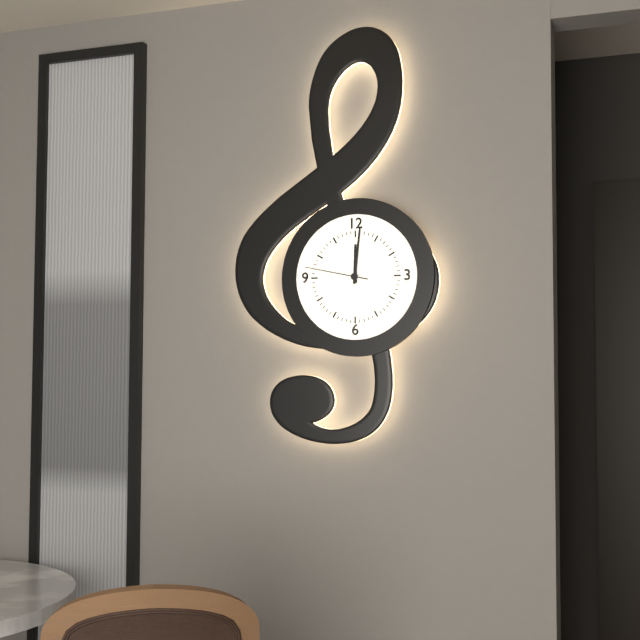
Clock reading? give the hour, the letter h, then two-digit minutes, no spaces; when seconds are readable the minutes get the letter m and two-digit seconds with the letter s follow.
12h01m47s
